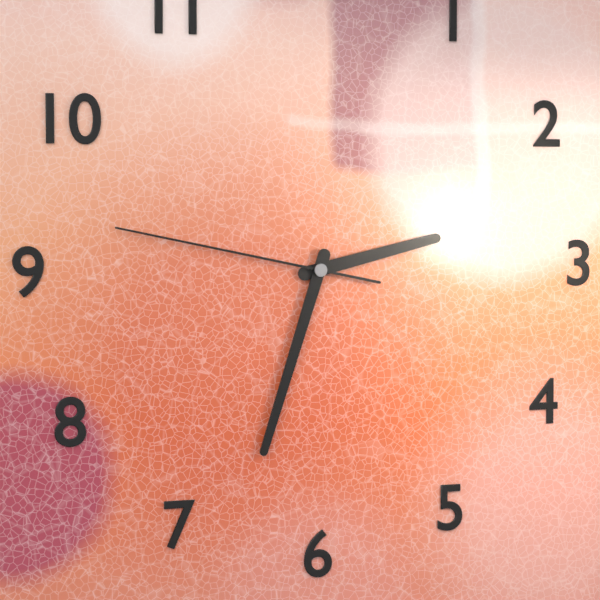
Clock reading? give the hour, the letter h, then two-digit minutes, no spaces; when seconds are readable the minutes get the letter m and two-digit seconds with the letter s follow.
2h33m47s
